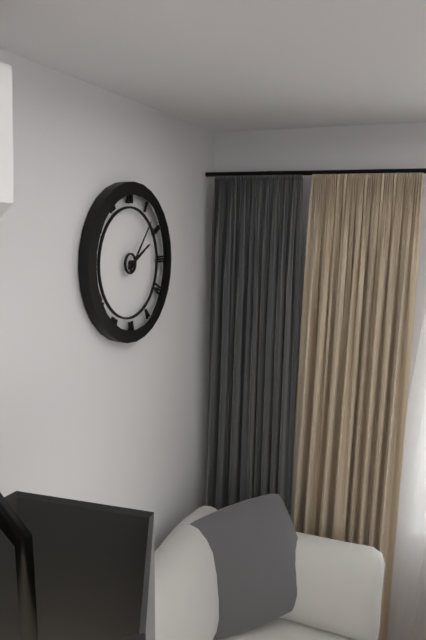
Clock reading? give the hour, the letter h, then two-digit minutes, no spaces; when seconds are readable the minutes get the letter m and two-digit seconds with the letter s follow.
2h07
